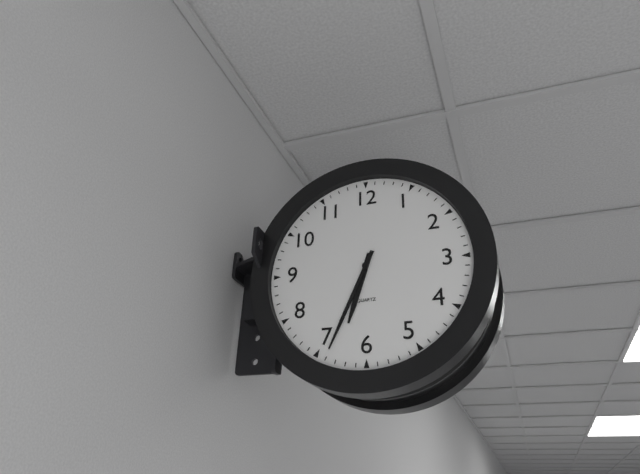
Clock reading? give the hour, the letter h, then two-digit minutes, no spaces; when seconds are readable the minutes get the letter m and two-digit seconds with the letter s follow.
6h34
